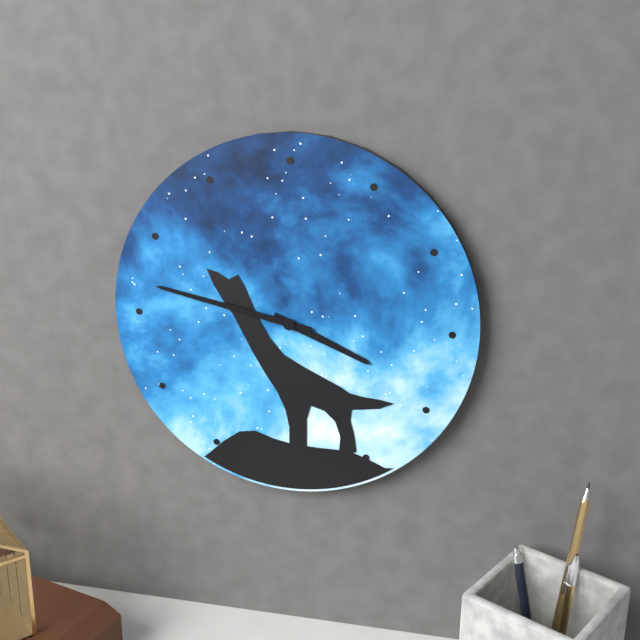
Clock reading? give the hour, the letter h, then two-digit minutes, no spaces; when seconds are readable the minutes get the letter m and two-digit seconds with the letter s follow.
3h47
